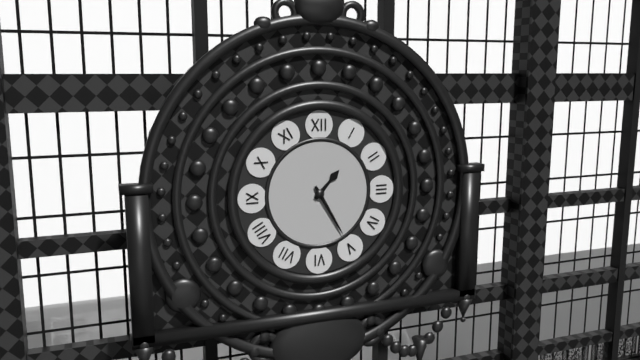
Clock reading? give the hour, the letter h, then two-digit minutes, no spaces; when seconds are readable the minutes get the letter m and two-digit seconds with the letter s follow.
1h25
